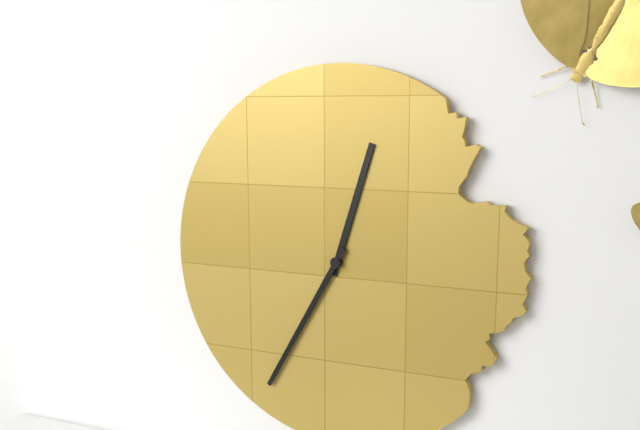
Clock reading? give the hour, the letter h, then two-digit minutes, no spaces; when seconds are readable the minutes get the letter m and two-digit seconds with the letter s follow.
12h35
